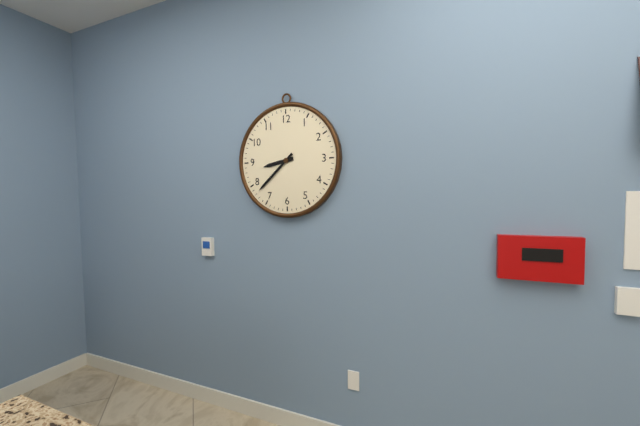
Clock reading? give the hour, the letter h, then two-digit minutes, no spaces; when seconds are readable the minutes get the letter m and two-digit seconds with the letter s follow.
8h38
